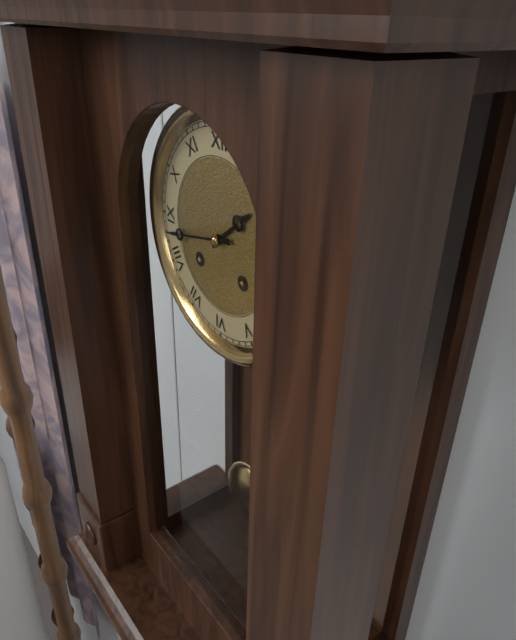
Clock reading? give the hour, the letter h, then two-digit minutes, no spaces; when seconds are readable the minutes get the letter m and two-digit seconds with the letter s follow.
1h43
